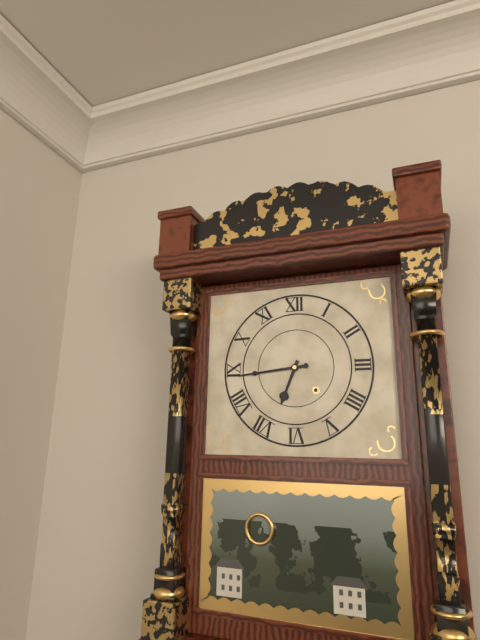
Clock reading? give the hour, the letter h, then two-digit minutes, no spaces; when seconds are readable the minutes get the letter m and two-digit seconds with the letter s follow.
6h44
